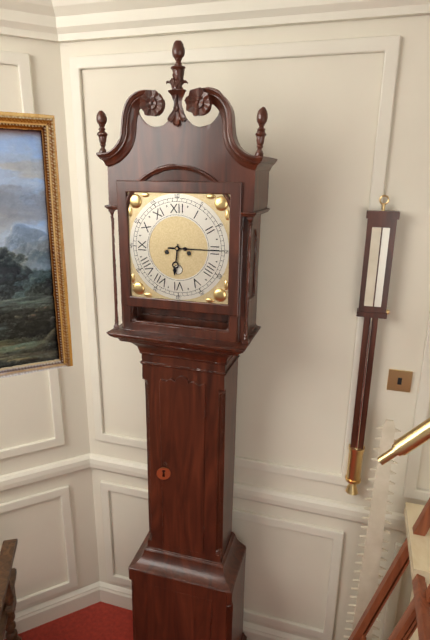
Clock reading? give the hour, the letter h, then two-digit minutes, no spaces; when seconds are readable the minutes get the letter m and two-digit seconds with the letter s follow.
6h15
